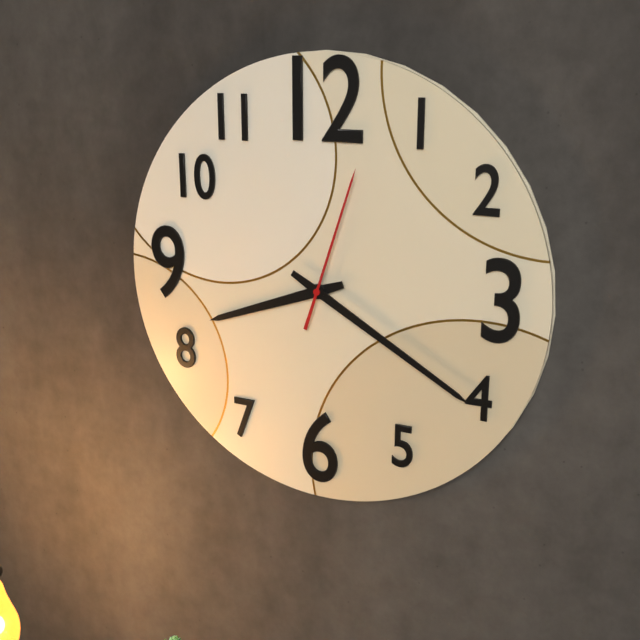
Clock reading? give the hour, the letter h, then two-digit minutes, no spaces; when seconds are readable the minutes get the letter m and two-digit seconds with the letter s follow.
8h20m03s
